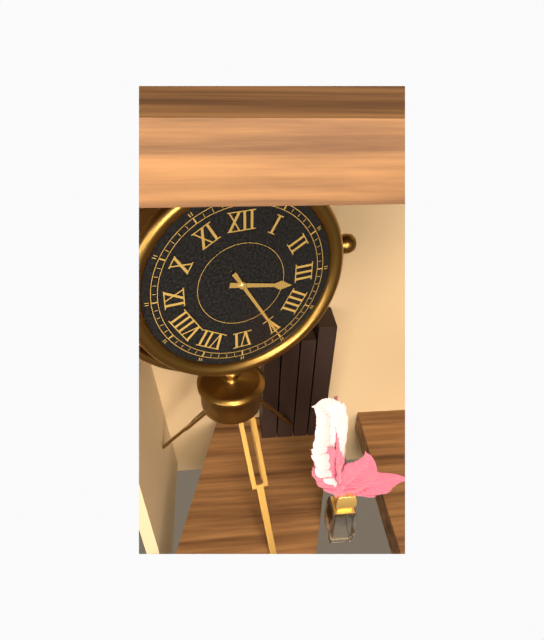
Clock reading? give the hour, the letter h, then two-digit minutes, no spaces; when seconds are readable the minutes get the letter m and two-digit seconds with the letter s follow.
3h25
